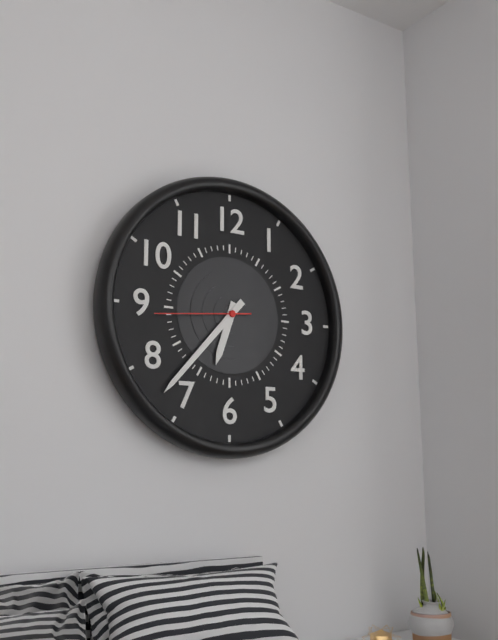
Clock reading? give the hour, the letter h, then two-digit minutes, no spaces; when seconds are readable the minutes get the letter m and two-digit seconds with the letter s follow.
6h37m44s
